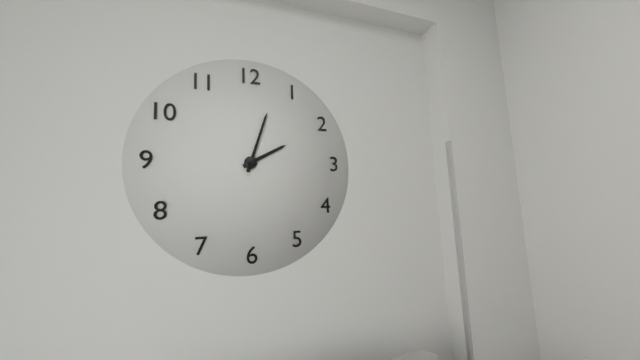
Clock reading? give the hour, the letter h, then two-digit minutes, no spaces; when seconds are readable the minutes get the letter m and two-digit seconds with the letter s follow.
2h03
